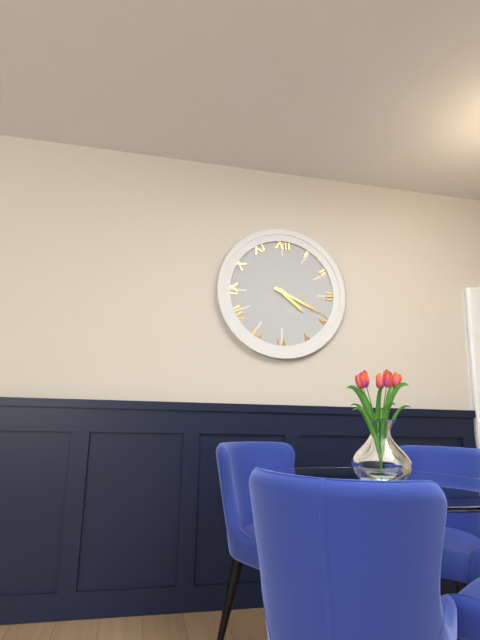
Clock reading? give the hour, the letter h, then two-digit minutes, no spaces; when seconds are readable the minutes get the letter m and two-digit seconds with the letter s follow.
4h19
